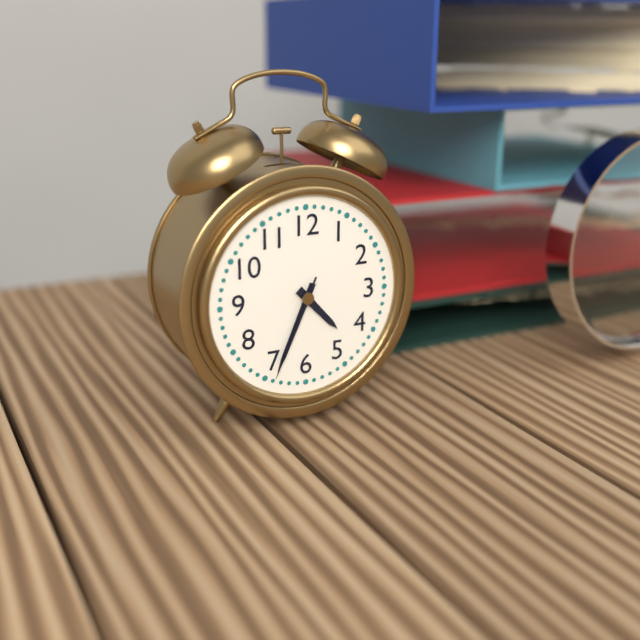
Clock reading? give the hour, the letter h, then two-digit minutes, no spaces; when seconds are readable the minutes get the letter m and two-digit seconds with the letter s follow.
4h34m34s
